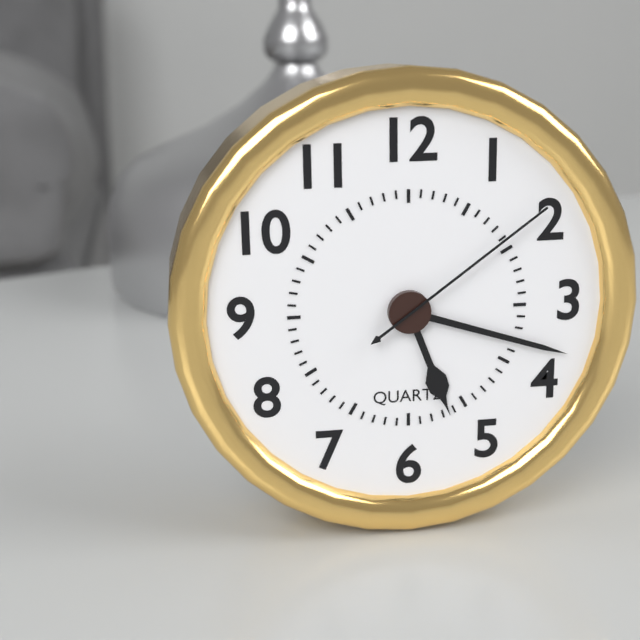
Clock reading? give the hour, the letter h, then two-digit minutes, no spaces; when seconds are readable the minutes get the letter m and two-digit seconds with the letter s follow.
5h18m09s
